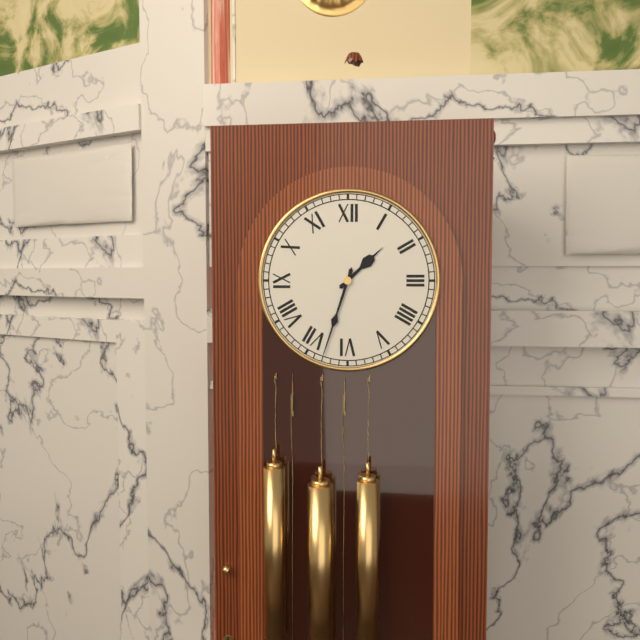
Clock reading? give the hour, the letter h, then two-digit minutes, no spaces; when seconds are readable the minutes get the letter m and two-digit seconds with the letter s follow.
1h33
